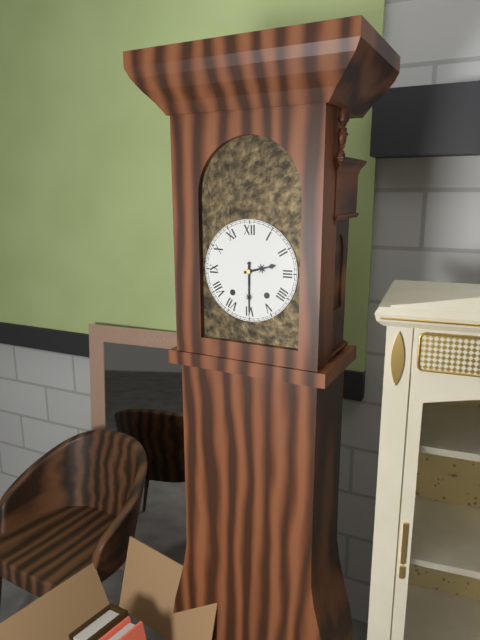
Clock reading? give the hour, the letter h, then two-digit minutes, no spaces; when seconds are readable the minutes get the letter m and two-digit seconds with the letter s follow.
2h30
